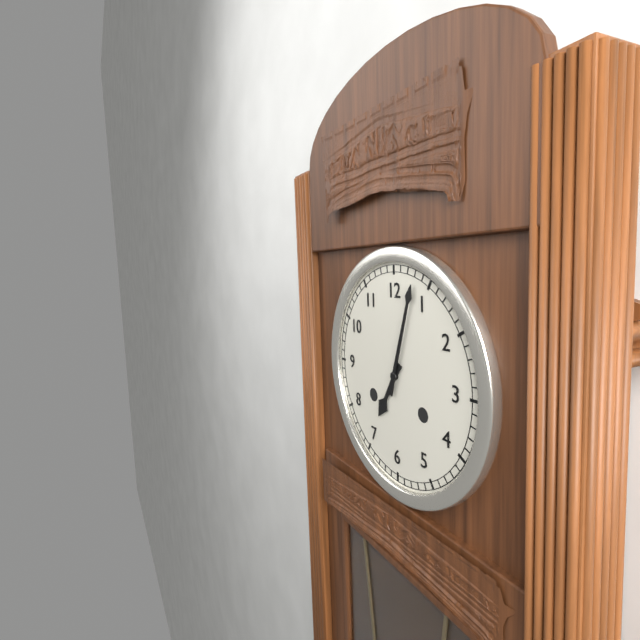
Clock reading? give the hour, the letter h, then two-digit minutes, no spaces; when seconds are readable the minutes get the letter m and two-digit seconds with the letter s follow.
7h03
